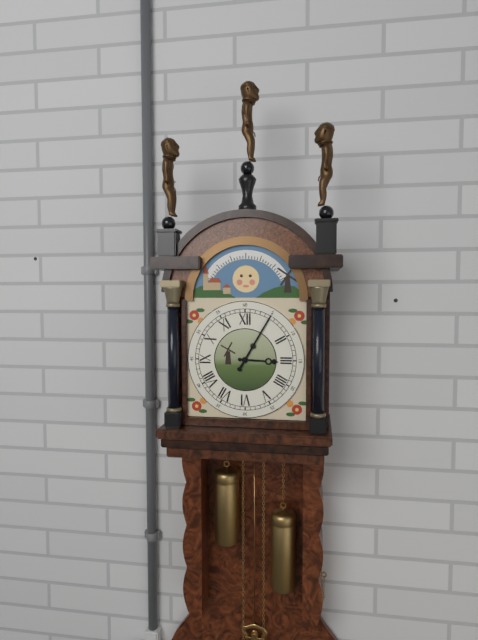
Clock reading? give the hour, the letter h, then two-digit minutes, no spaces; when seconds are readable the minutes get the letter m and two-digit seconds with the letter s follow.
3h05
